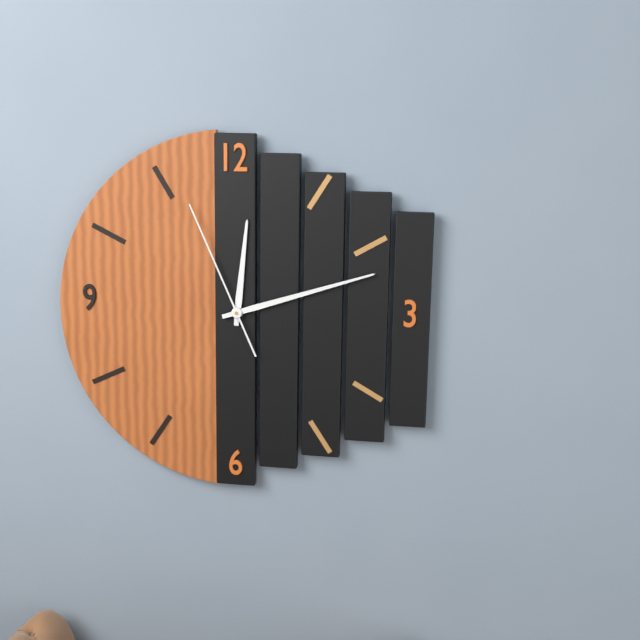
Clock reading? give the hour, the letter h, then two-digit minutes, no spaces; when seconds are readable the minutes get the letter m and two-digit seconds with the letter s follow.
12h12m56s
